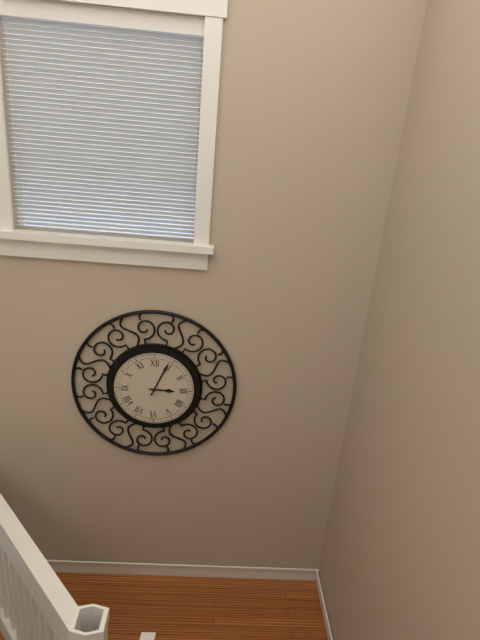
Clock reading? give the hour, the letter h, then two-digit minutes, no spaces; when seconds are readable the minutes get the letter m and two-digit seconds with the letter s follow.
3h04
